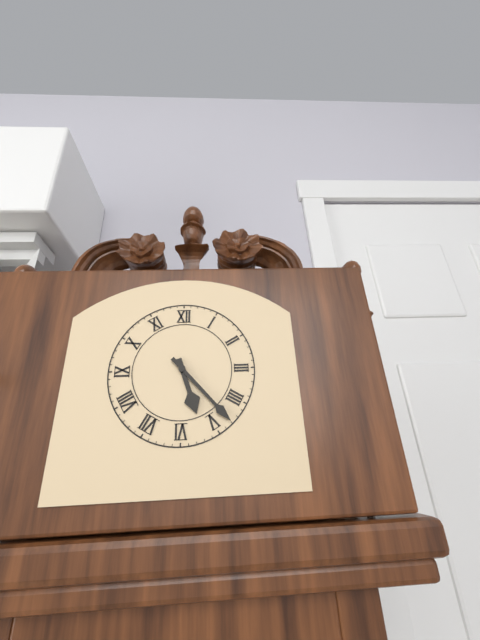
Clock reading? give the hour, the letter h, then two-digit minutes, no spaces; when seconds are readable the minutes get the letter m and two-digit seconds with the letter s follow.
5h23
